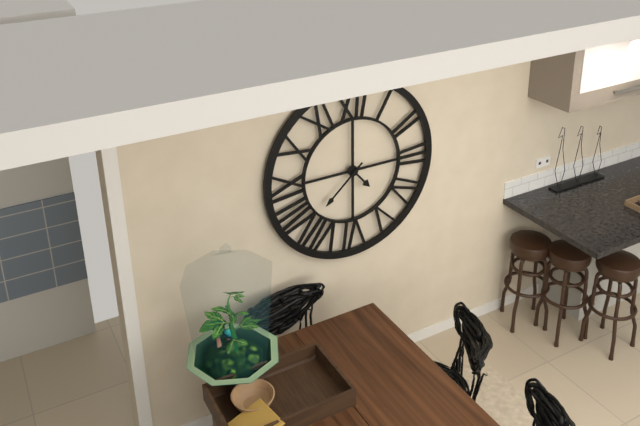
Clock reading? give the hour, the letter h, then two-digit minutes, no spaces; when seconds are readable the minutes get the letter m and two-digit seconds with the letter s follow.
4h38
